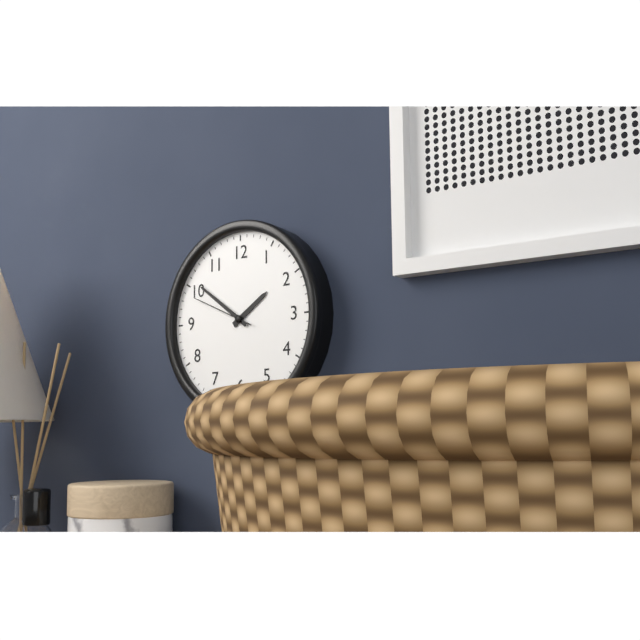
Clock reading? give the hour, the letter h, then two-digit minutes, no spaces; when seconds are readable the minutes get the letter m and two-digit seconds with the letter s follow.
1h51m49s
